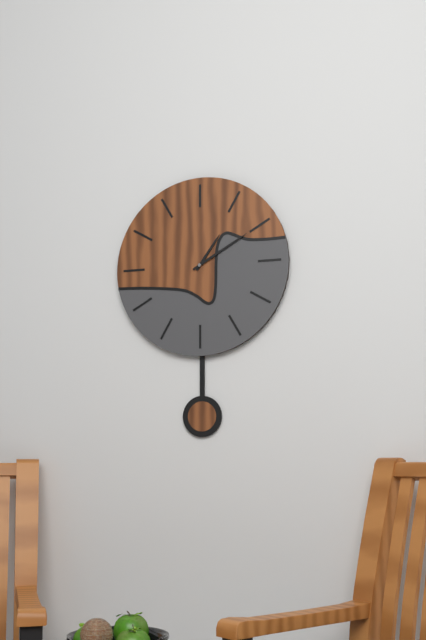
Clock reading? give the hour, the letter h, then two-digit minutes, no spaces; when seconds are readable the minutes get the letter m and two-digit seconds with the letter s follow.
1h10
